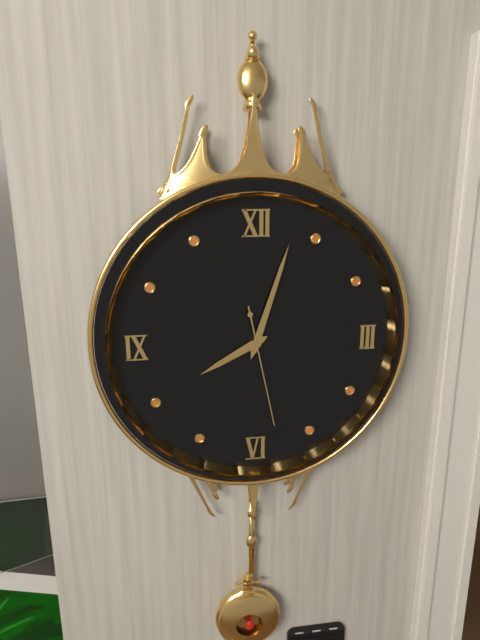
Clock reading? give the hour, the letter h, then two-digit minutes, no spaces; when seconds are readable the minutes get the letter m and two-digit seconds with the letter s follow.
8h03m28s
